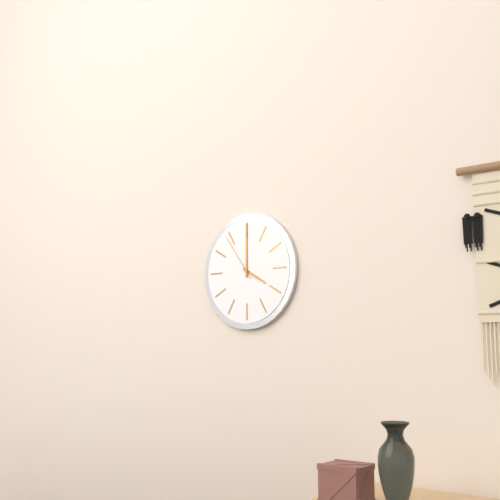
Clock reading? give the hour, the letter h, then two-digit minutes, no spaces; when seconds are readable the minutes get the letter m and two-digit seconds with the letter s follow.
4h00m54s
